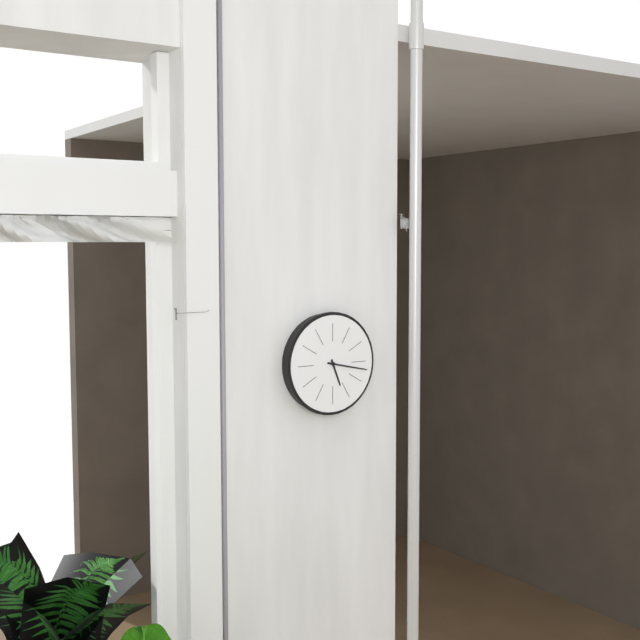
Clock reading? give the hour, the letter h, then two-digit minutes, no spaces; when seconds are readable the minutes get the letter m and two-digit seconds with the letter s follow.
5h17
